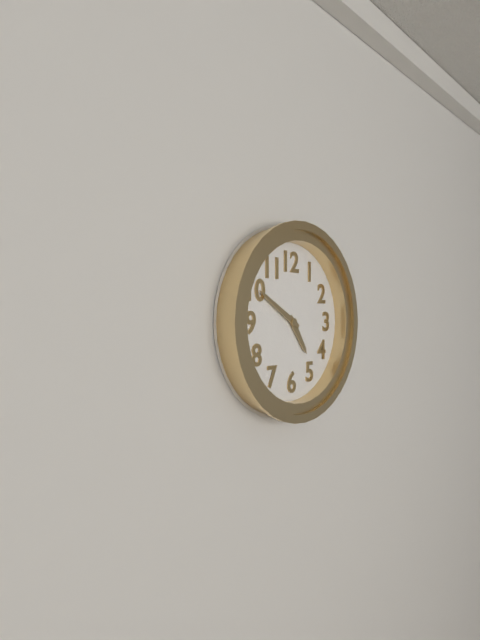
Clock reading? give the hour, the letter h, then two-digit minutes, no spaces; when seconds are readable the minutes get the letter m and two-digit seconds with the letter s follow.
4h50
